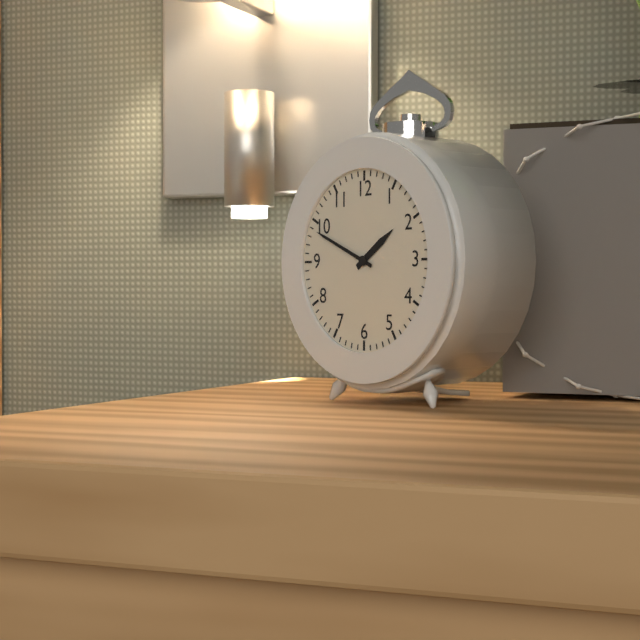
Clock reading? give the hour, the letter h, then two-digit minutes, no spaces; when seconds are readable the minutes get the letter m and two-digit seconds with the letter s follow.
1h49
